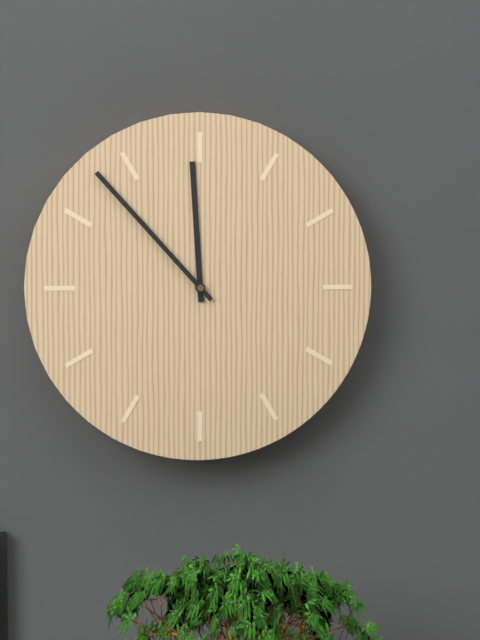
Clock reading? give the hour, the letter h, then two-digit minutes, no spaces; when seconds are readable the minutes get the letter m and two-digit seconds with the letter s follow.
11h53
